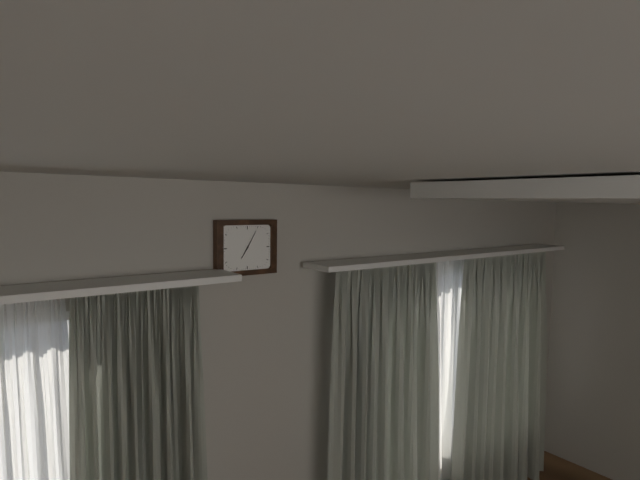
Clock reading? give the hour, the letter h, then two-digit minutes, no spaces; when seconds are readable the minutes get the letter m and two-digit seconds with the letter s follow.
7h05
